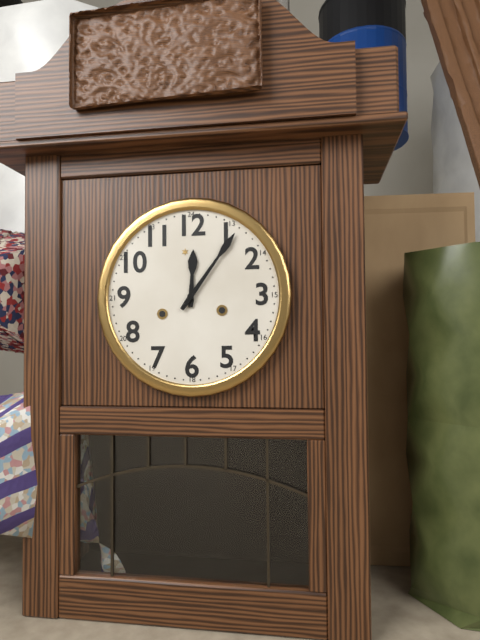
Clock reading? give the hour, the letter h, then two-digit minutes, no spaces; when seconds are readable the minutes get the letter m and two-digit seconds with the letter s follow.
12h06
